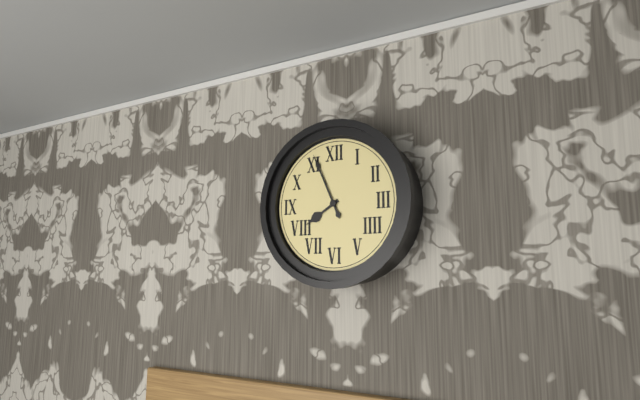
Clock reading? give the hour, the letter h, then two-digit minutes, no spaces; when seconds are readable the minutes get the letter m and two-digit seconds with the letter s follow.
7h56
